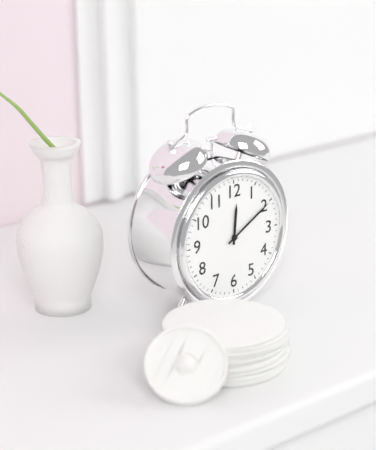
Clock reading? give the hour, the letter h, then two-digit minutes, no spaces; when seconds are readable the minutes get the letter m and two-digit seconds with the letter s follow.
12h10
